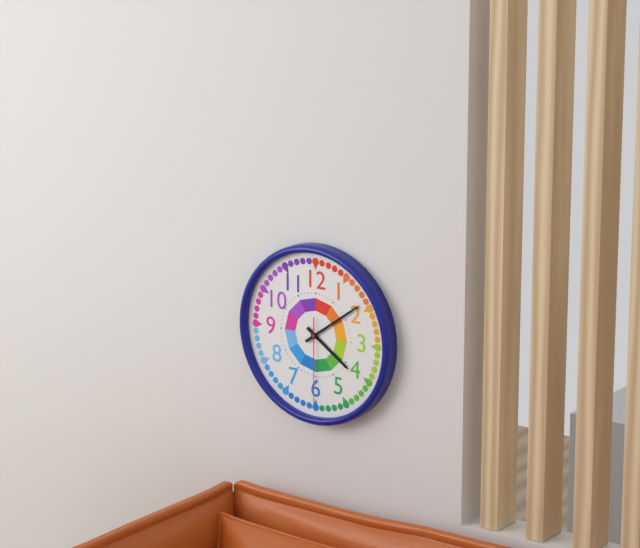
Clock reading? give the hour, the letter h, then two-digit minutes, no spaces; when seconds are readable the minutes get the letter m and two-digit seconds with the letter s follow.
4h09m30s
